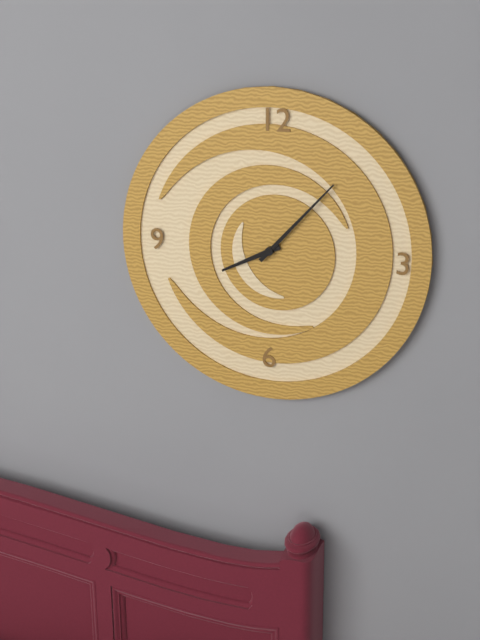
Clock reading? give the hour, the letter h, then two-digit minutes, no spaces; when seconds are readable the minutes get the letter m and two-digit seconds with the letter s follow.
8h07
